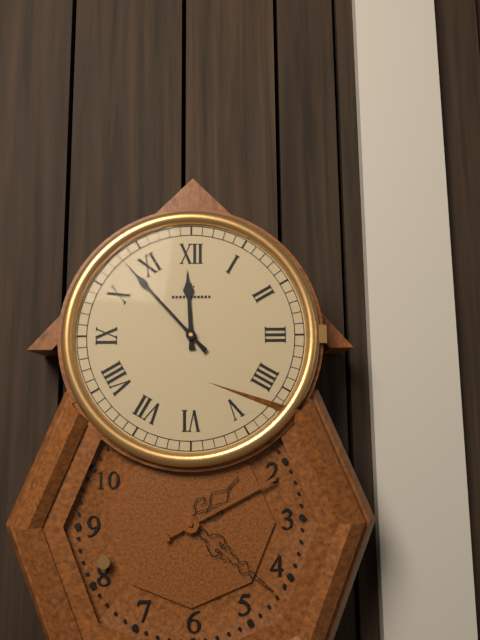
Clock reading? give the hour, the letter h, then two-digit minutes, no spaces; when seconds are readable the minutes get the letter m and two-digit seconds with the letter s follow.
11h53
